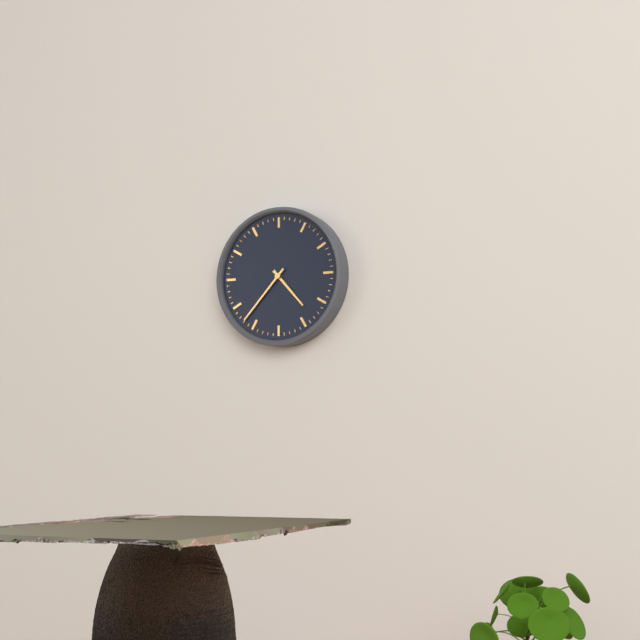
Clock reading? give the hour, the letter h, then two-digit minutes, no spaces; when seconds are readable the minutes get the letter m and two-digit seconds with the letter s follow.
4h37
